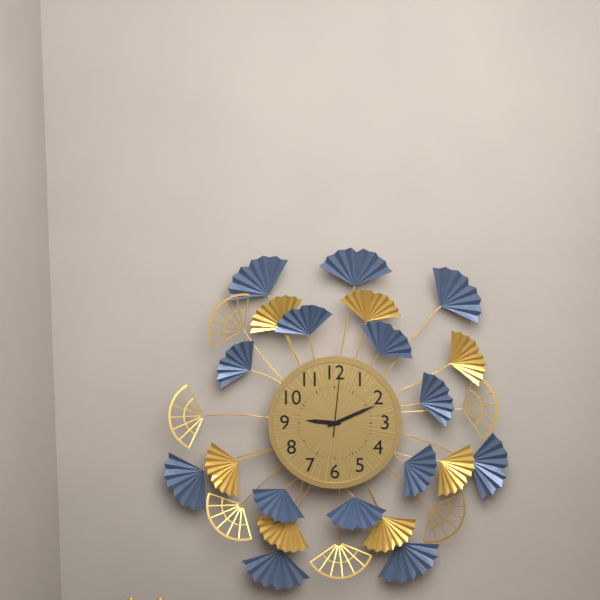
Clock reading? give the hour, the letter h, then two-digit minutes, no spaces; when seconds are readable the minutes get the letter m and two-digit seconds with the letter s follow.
9h11m01s
